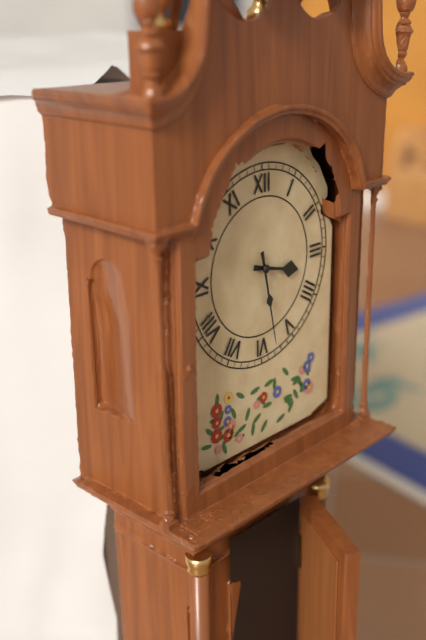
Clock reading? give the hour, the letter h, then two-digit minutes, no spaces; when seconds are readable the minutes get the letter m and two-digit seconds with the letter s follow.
3h28
